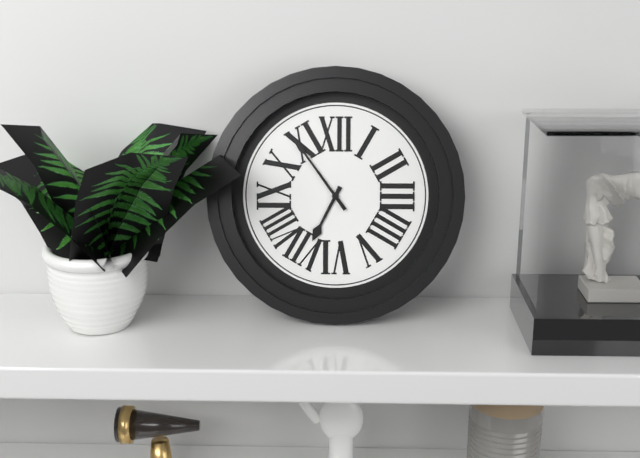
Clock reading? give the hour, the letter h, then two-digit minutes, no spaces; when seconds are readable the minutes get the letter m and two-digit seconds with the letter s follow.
6h54
